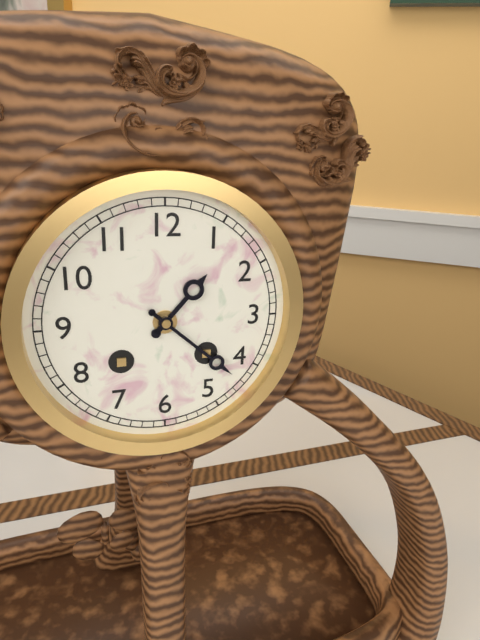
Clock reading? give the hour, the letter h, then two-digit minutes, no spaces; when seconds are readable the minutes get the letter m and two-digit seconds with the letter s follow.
1h22
